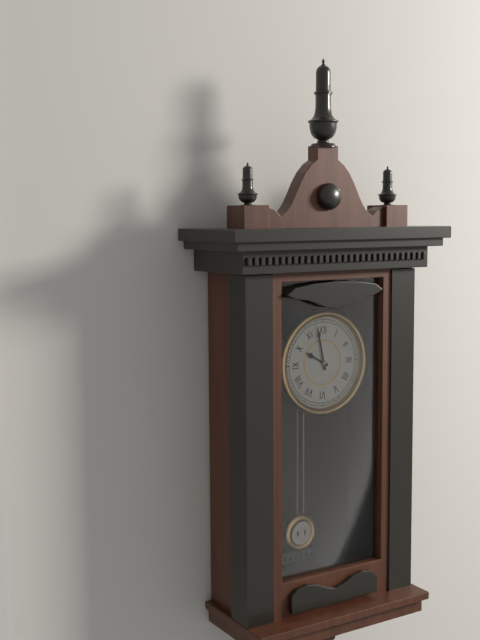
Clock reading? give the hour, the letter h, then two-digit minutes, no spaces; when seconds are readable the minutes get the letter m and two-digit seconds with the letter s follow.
9h58
